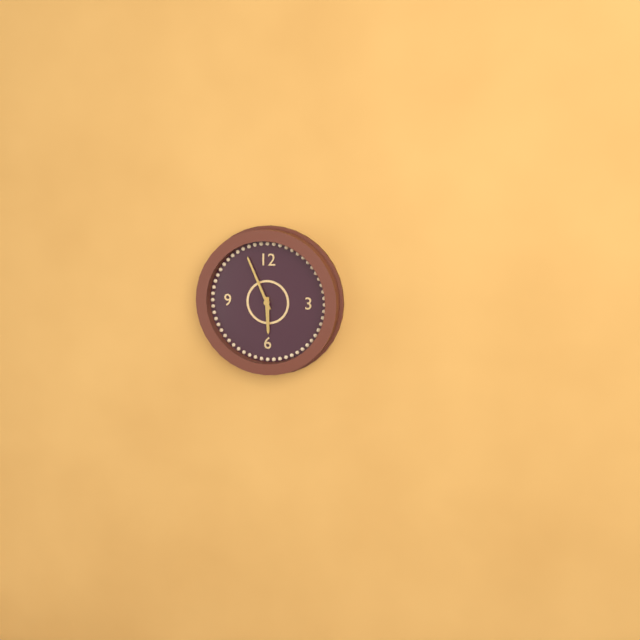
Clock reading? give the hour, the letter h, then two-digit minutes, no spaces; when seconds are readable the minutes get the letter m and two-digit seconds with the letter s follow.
5h56
